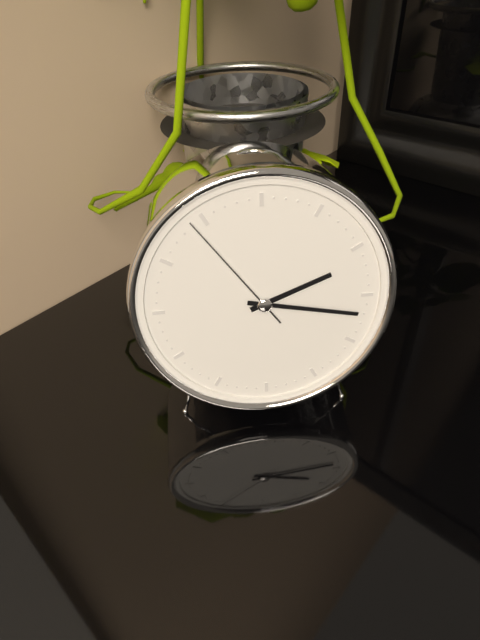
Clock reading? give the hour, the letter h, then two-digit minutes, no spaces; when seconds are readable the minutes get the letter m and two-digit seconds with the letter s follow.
2h17m54s
